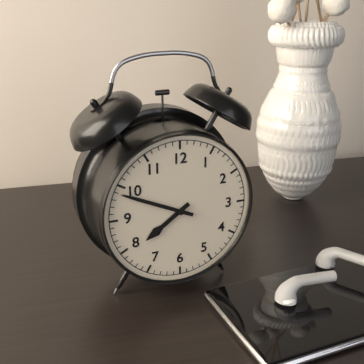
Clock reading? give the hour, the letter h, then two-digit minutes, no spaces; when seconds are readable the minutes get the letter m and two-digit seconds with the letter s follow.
7h49
